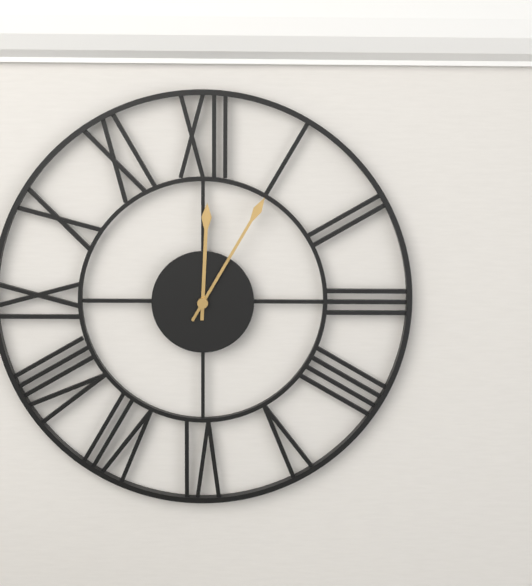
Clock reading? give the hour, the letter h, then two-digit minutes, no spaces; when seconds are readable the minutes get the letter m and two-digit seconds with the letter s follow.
12h05
